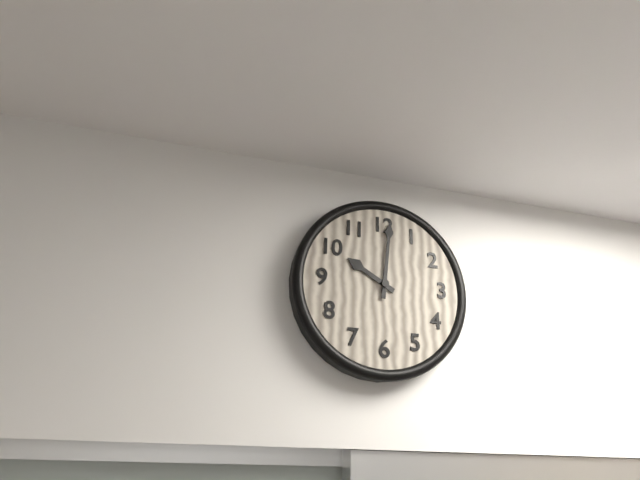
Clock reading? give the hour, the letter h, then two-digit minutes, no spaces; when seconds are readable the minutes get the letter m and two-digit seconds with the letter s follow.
10h01
